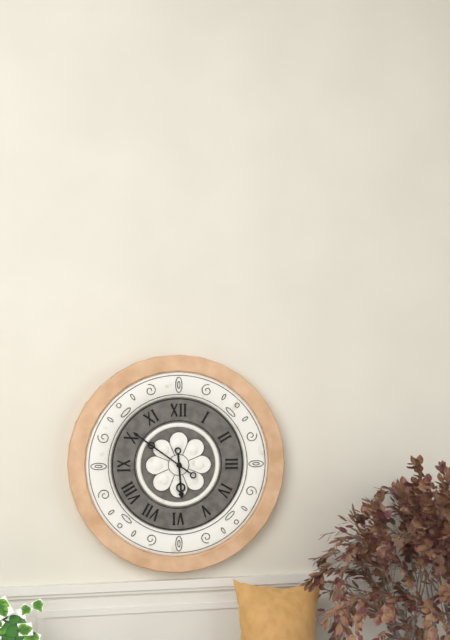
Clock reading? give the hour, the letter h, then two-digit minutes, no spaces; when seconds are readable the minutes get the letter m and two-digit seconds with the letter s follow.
5h51
